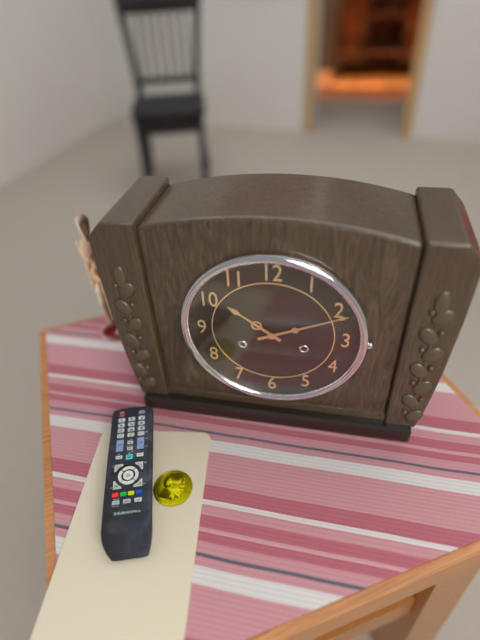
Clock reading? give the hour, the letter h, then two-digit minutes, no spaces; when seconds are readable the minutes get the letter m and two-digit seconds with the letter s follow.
10h11
